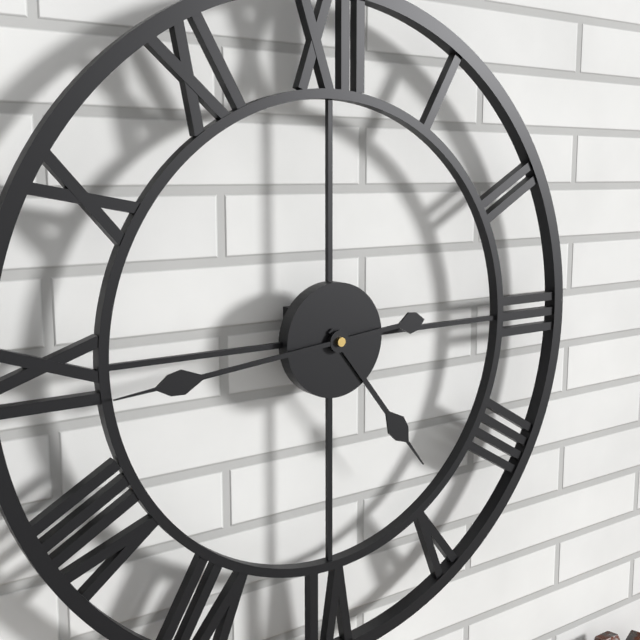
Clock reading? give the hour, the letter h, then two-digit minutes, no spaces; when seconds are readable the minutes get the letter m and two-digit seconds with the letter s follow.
4h44
